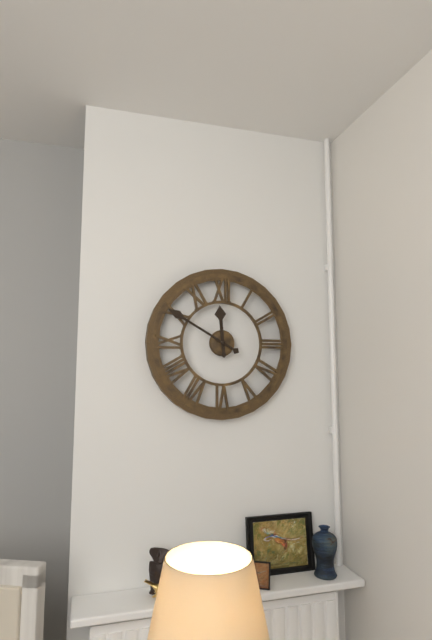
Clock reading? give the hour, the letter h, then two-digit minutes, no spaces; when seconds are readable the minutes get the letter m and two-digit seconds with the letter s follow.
11h50
